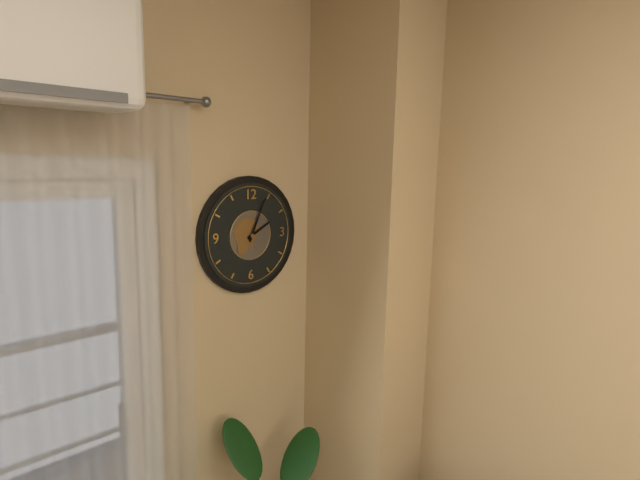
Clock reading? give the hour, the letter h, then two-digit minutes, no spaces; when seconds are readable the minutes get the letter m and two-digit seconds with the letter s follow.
2h04
